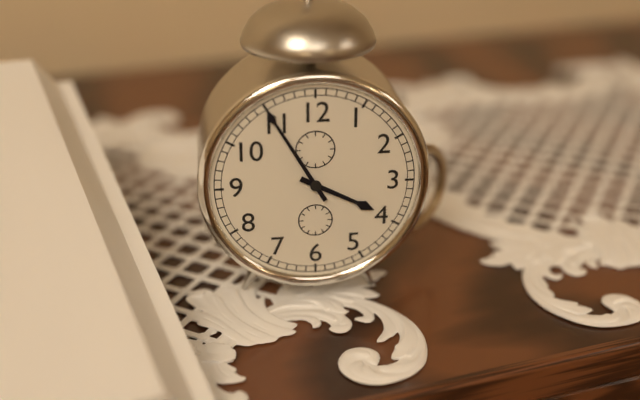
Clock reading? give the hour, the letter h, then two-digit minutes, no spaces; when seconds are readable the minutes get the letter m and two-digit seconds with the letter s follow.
3h55
